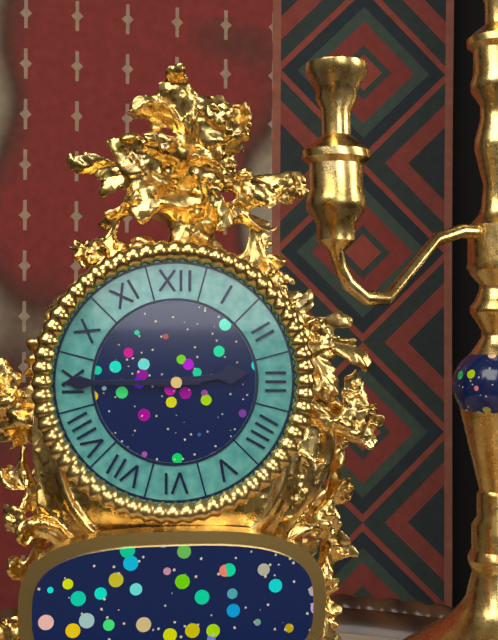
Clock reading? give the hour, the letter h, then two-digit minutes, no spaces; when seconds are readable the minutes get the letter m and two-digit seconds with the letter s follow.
2h45
